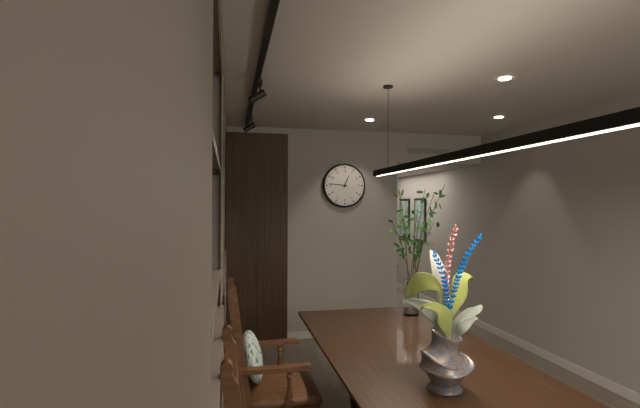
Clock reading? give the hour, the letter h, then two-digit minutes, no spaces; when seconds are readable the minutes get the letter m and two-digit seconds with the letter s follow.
12h46
